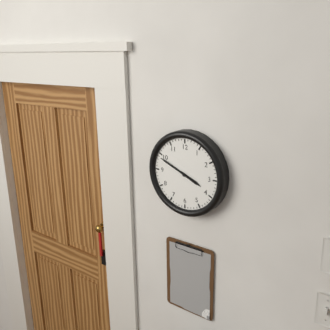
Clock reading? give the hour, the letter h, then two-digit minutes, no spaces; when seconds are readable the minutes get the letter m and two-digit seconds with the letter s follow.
3h49
